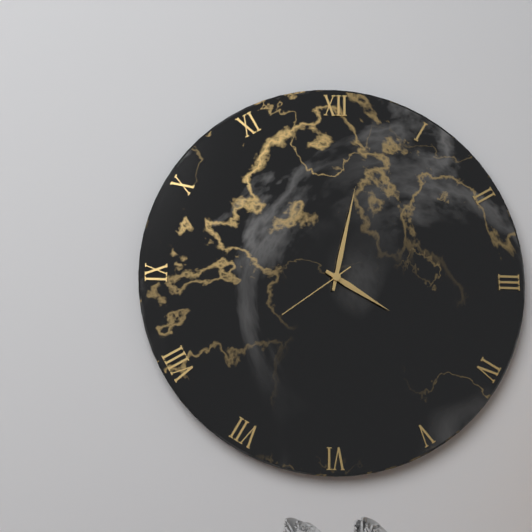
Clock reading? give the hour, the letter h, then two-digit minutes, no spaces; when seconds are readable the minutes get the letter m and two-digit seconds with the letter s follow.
4h02m39s
